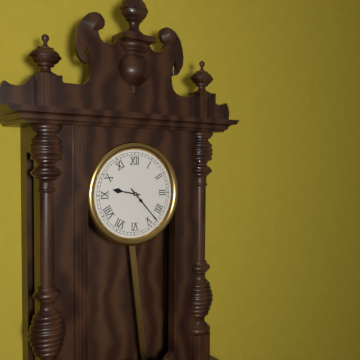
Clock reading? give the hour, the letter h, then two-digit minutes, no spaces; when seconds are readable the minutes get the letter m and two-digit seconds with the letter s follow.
9h23
